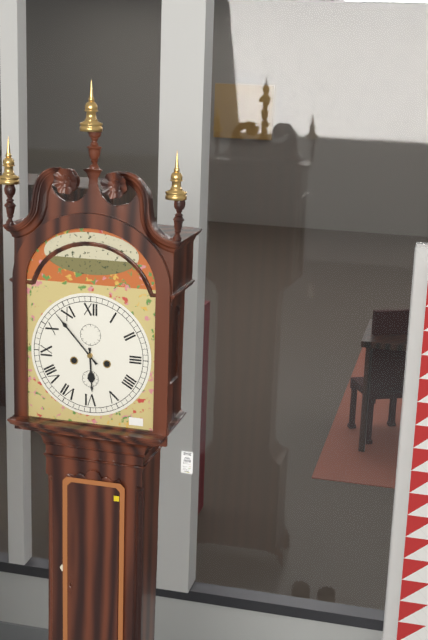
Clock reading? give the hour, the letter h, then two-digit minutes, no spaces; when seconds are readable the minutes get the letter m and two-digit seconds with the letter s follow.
5h53
